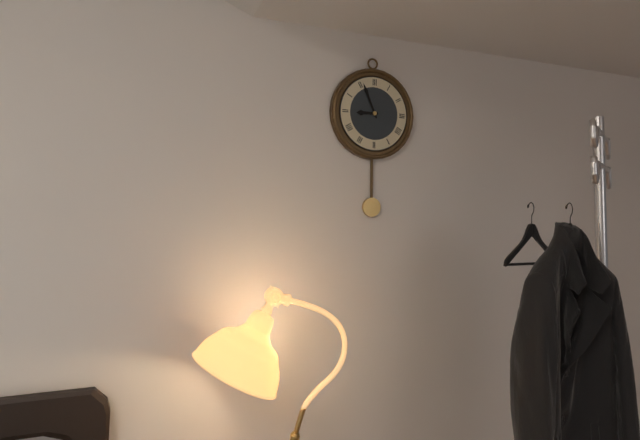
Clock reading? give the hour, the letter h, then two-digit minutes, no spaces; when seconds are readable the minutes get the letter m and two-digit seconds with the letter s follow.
8h56
